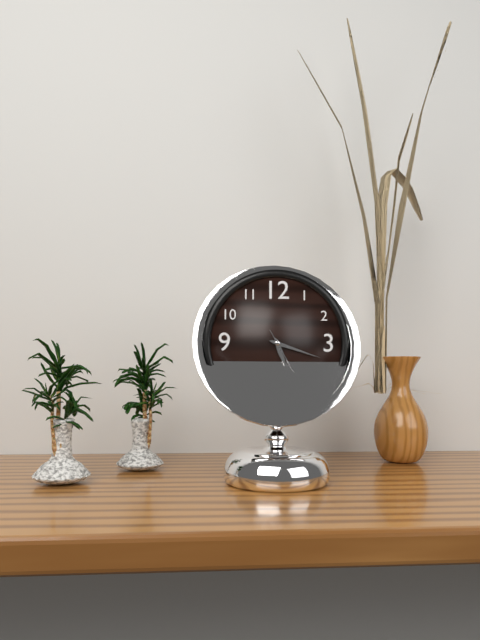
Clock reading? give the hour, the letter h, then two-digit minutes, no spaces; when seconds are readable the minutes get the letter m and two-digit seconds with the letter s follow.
5h18
